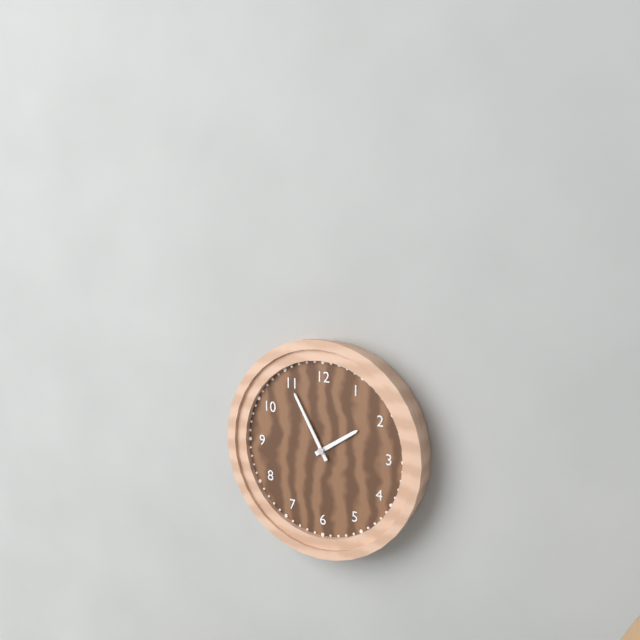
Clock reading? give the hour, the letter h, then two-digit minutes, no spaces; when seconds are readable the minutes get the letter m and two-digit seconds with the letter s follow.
1h55
